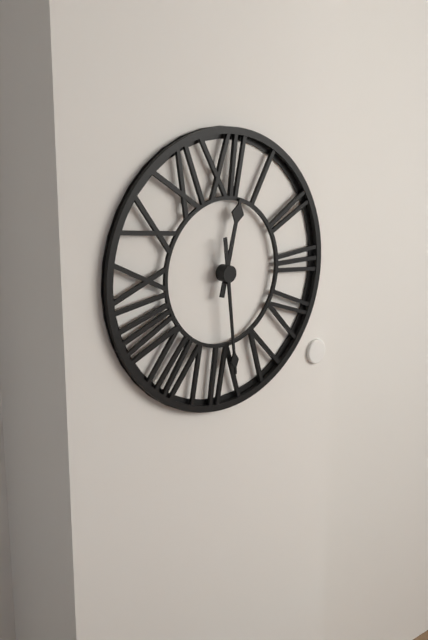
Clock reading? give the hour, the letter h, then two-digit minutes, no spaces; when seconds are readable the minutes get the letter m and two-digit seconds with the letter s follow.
12h29
